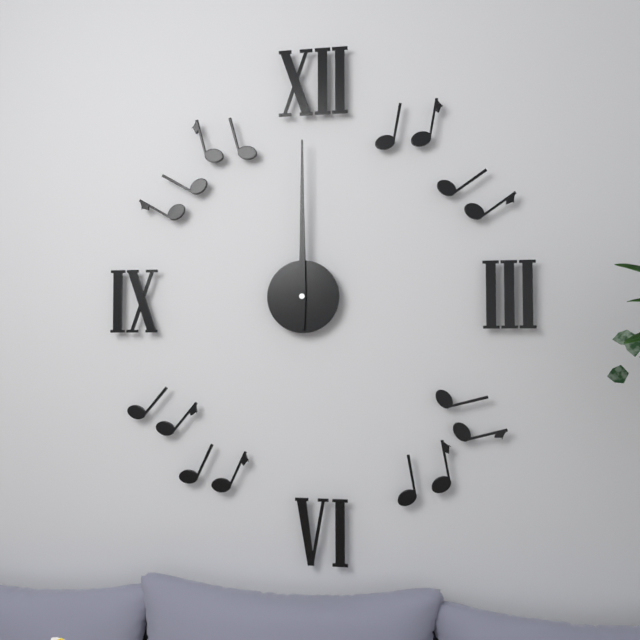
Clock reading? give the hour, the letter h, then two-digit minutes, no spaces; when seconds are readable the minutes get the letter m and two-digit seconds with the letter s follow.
12h00
